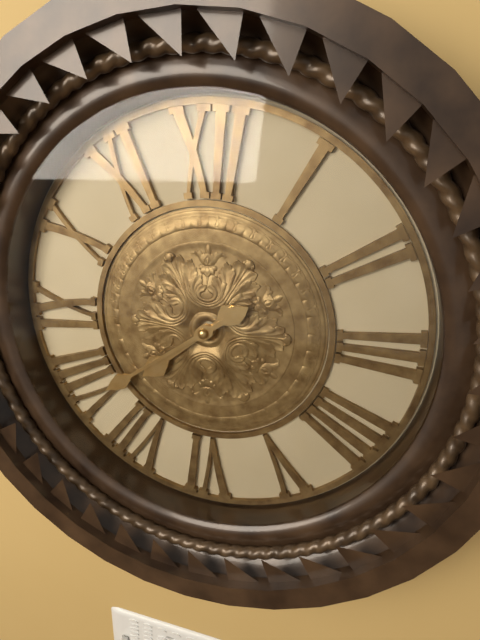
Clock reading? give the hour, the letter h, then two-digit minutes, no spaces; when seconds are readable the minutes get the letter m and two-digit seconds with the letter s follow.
7h39
